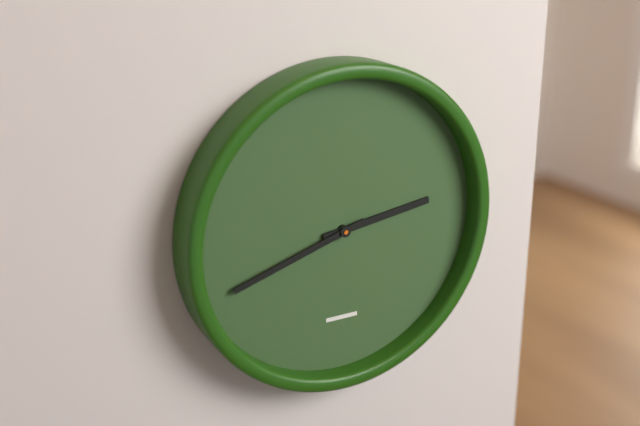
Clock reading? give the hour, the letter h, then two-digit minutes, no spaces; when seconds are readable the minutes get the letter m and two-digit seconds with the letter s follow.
2h42
